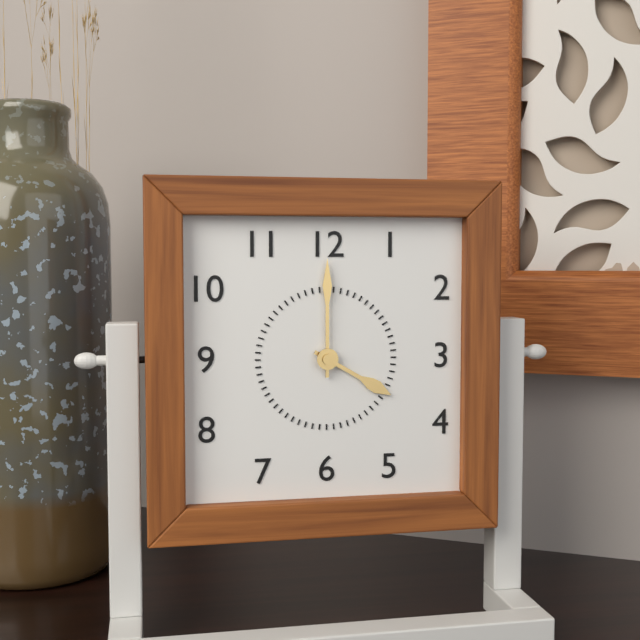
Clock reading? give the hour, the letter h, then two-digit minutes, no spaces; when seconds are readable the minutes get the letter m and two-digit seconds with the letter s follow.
4h00
